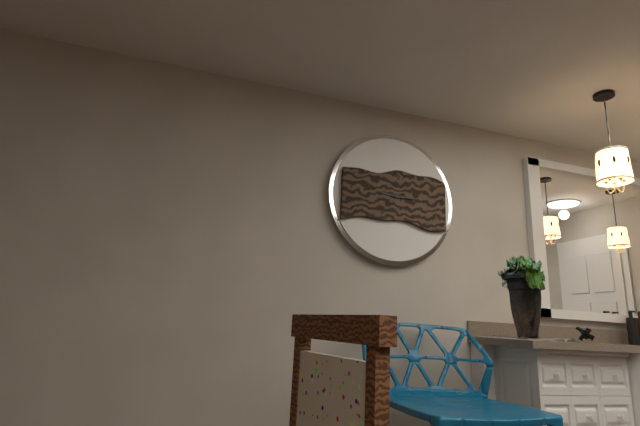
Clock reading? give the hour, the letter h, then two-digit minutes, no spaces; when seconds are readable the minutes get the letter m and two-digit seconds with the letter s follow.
9h15
